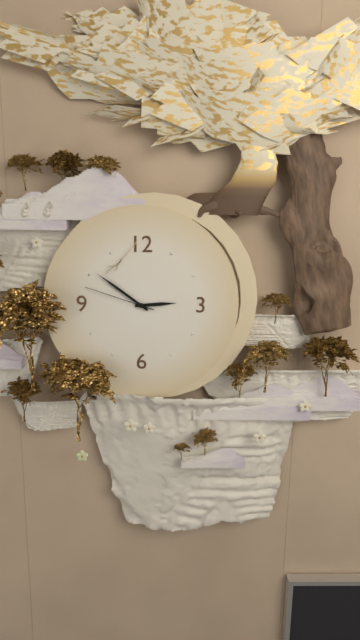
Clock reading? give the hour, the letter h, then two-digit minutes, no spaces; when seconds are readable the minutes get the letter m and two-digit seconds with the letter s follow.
2h51m48s
